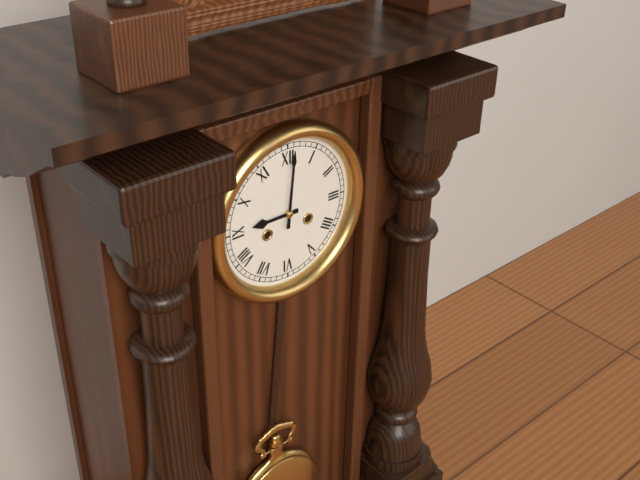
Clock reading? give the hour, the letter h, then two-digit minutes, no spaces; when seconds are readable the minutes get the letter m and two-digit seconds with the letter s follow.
9h01
